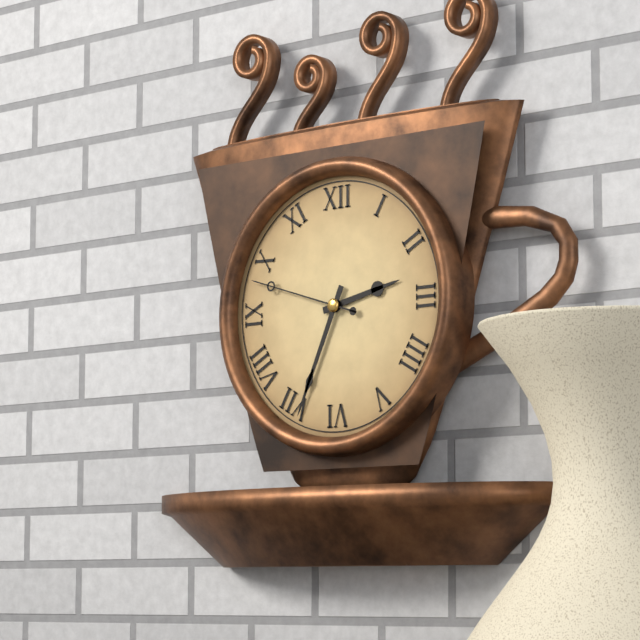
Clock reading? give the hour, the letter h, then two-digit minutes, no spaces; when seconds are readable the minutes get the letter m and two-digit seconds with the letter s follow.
2h34m48s
